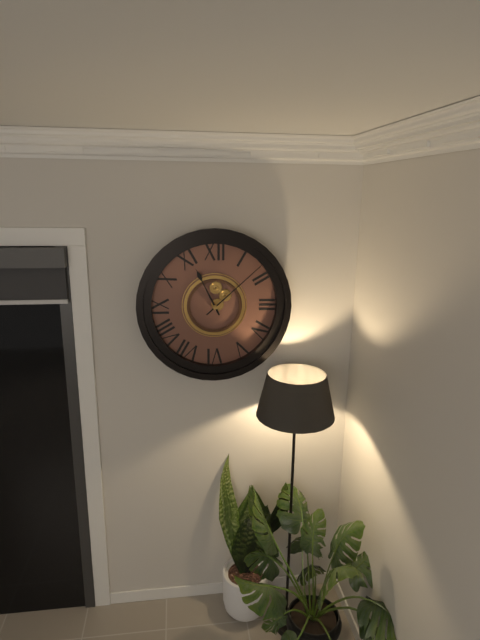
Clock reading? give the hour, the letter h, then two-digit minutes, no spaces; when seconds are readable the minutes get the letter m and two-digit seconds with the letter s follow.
11h08
